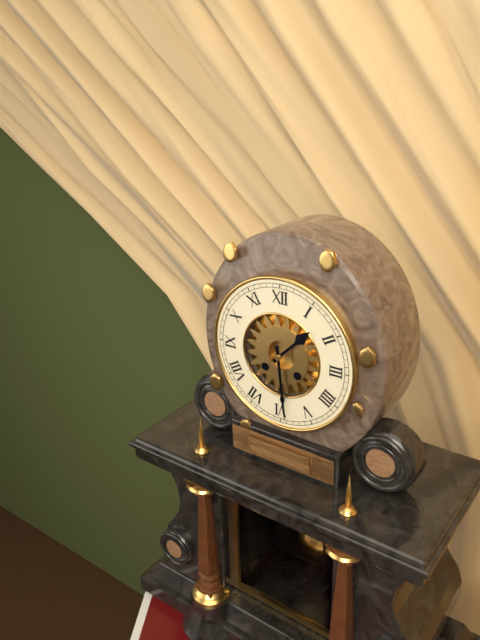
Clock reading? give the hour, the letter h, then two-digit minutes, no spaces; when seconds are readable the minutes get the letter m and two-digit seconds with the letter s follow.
1h29
